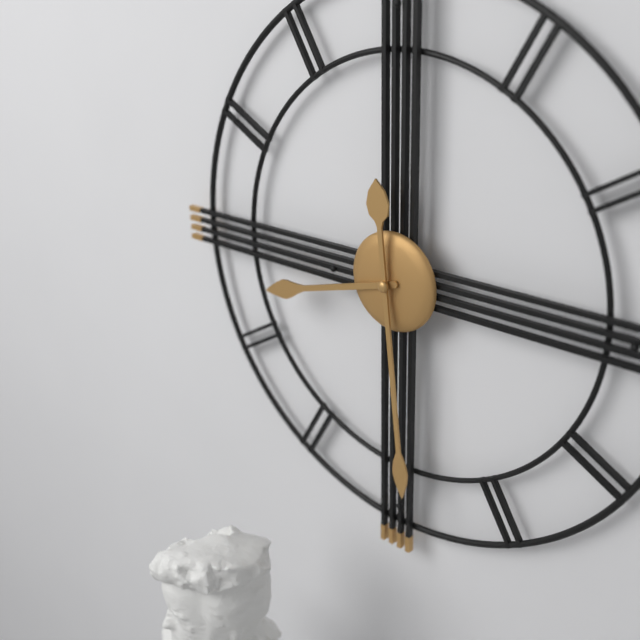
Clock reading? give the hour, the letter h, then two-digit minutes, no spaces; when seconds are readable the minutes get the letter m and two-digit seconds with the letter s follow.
8h29
